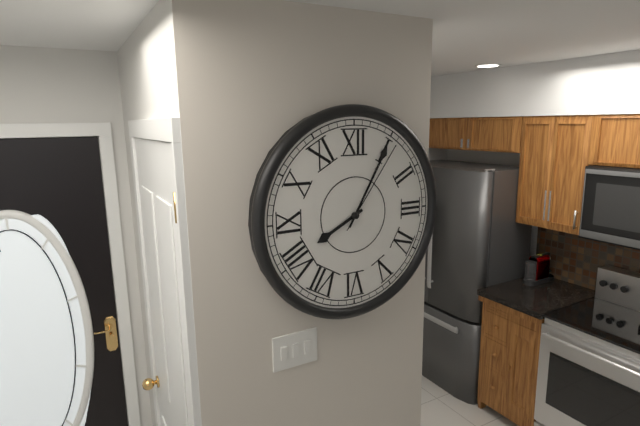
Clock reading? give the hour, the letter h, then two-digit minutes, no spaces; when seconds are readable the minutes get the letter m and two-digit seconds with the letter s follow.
8h05m06s
